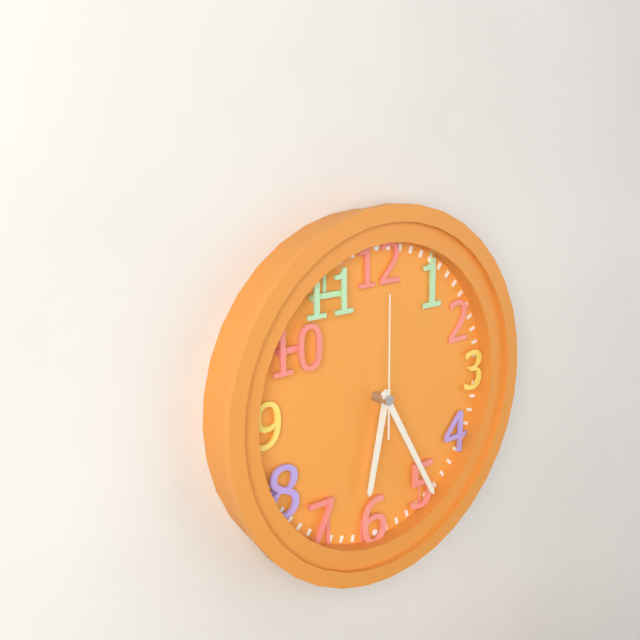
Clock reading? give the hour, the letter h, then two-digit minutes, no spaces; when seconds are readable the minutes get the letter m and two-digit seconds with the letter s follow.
6h25m00s
